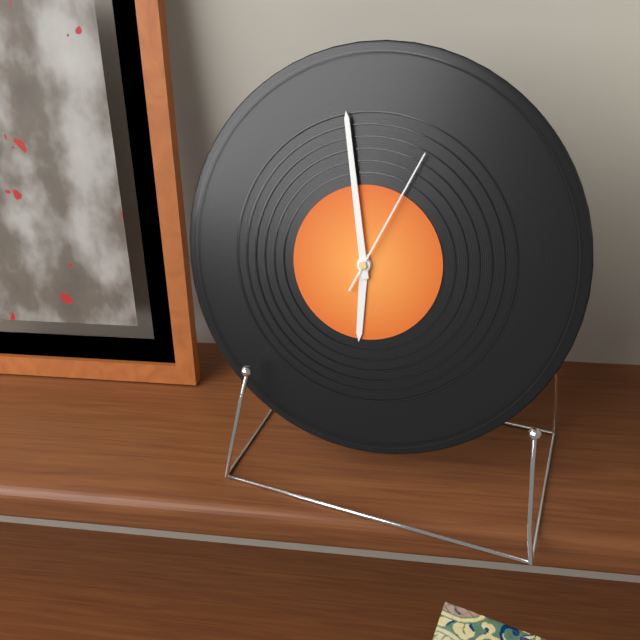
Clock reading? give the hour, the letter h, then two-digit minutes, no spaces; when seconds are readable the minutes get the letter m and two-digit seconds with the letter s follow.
5h58m04s
